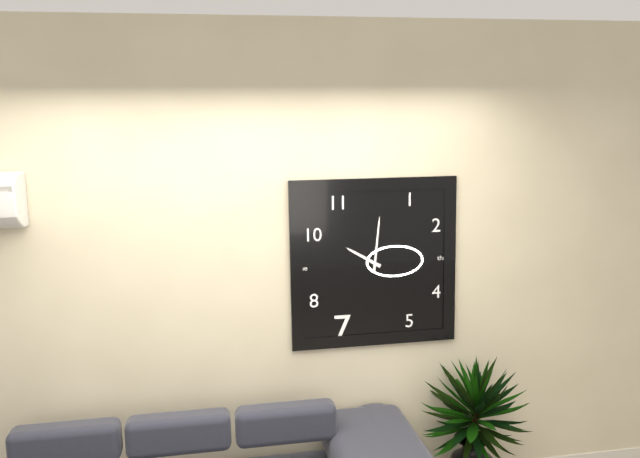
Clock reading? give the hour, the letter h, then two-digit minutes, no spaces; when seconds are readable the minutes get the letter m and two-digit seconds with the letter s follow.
10h01
